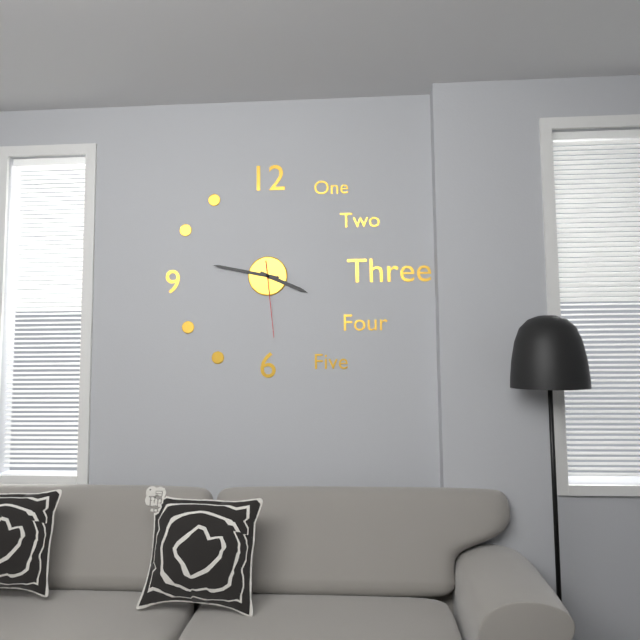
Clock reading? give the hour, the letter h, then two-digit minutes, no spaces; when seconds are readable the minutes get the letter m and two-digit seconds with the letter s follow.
3h47m29s
